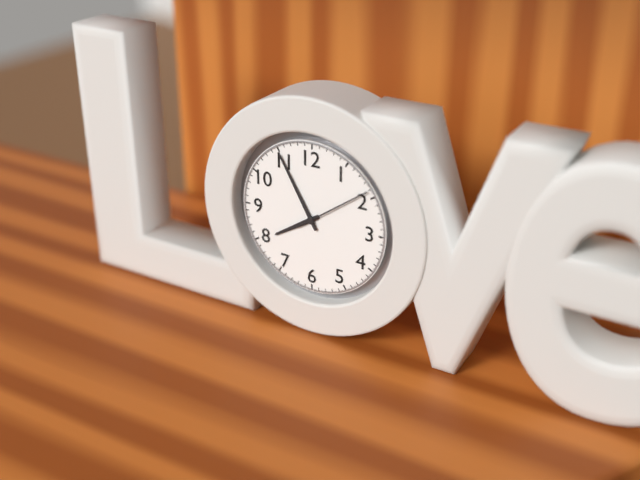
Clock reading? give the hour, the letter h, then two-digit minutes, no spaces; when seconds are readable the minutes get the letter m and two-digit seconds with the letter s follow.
7h55m09s
